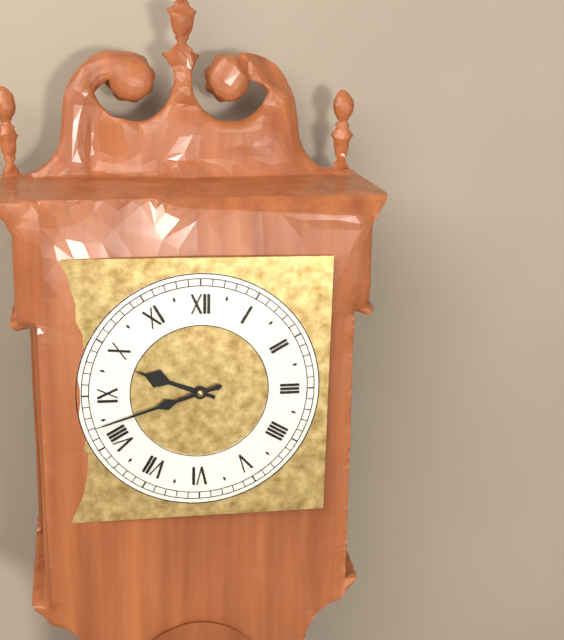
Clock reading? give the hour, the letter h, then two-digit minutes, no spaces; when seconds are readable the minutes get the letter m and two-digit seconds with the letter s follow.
9h42
